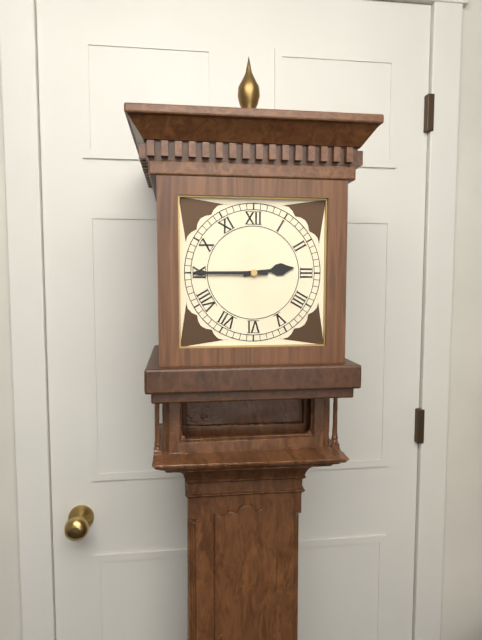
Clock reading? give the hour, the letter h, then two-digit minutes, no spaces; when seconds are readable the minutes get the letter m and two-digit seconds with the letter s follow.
2h45
